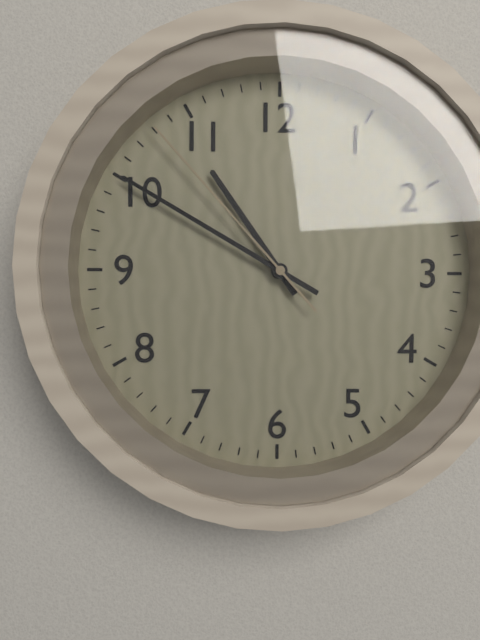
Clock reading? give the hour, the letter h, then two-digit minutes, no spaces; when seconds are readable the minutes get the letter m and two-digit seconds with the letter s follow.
10h50m53s
